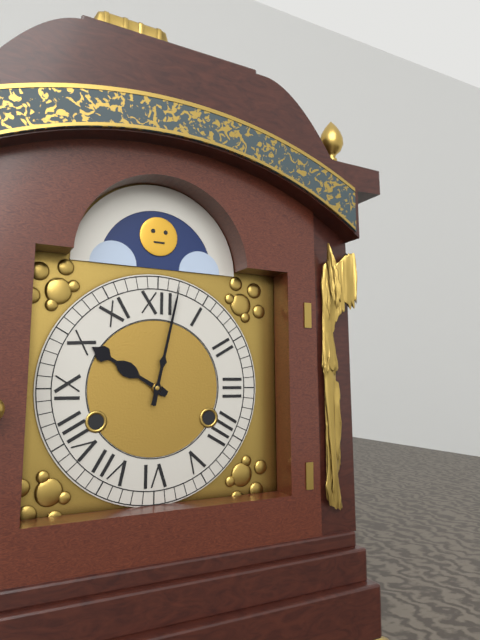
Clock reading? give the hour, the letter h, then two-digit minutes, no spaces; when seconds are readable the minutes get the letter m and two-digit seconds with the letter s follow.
10h02
